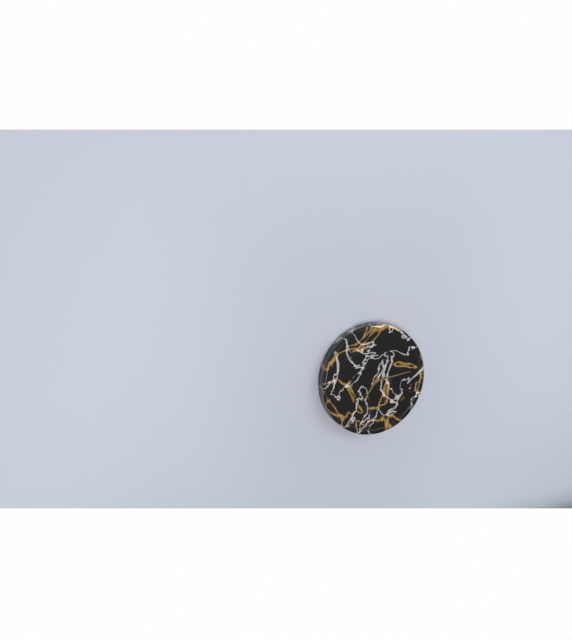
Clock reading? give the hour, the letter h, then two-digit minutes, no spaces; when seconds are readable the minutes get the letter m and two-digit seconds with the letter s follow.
7h14
